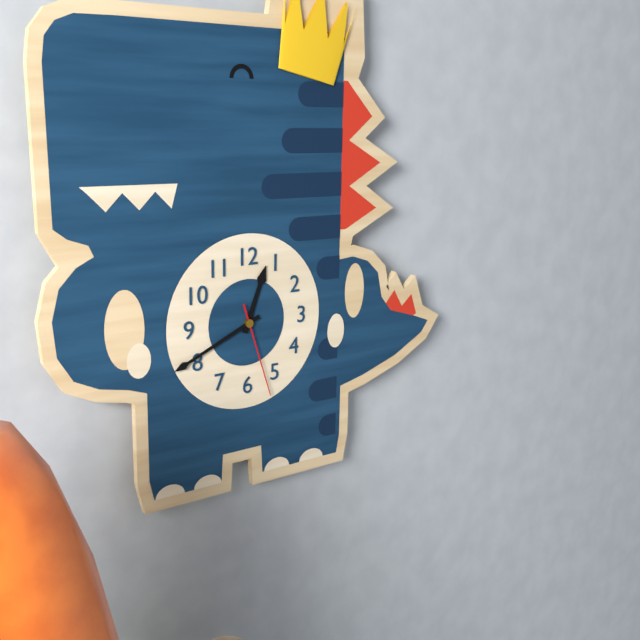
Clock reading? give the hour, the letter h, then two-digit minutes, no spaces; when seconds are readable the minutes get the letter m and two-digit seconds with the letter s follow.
12h41m27s
